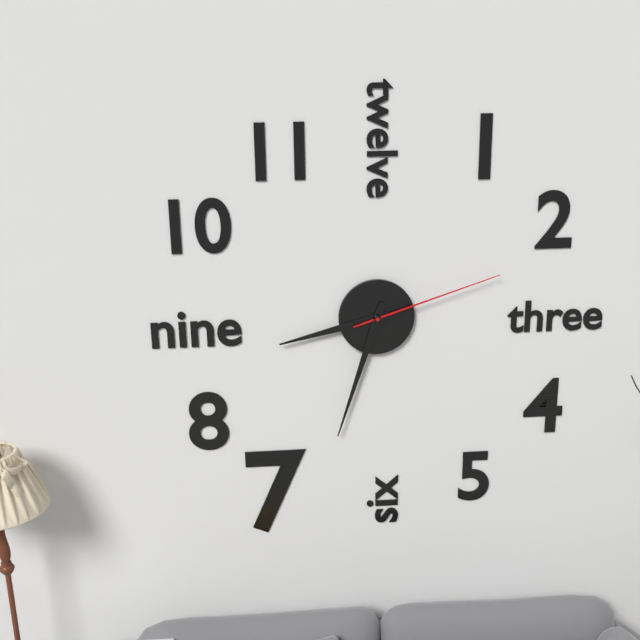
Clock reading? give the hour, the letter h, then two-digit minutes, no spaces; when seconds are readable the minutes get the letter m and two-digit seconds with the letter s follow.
8h33m12s
